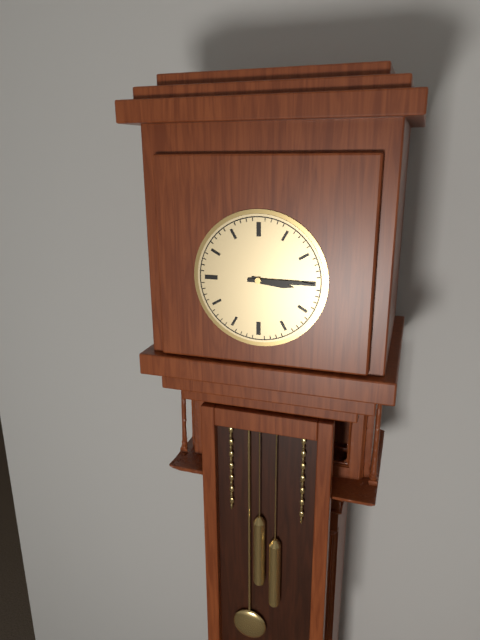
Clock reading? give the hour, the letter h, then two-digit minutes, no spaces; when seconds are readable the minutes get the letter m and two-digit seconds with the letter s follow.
3h15
